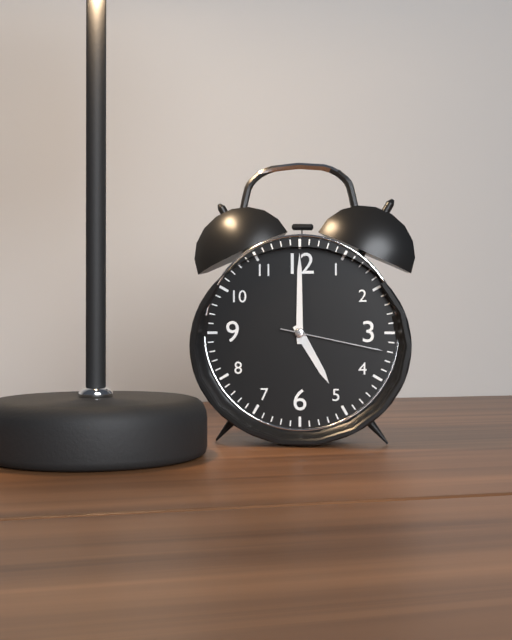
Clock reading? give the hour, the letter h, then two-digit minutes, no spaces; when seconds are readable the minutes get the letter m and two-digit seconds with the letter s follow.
5h00m17s
